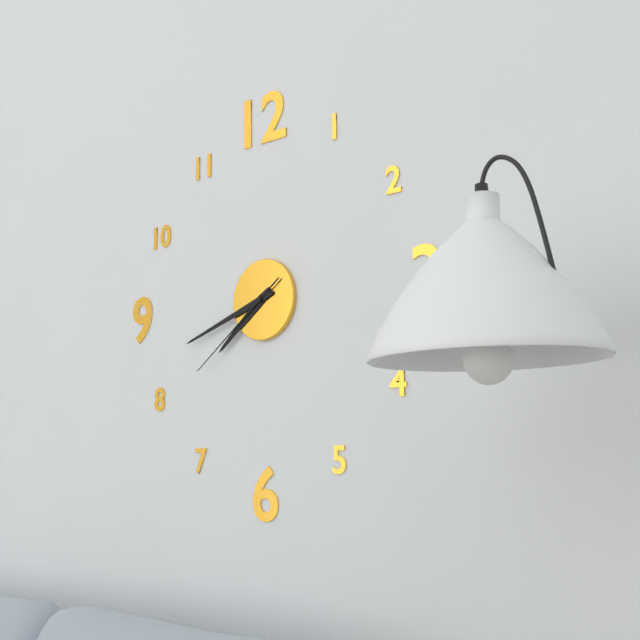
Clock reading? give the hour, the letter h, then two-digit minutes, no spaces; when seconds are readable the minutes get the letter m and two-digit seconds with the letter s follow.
7h42m39s
